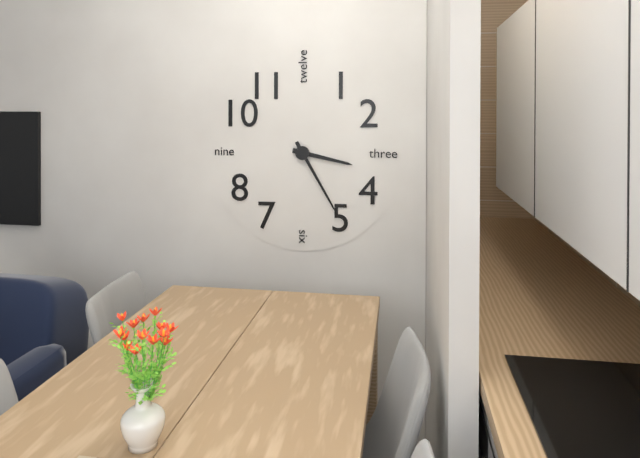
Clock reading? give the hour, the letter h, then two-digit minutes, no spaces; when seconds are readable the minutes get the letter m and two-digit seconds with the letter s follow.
3h25
